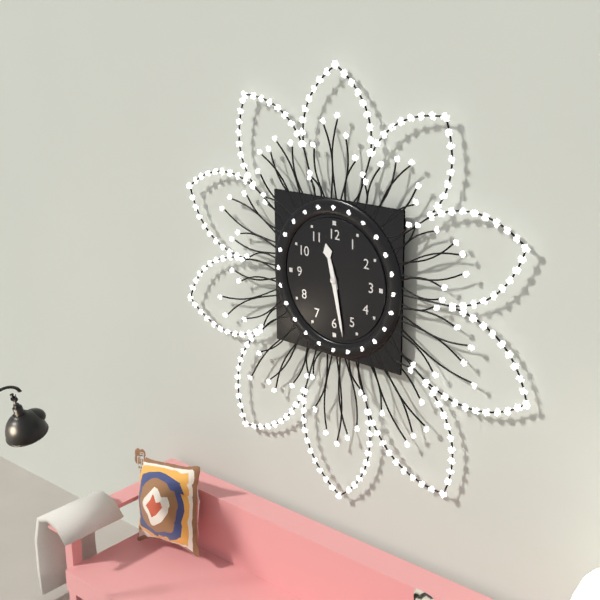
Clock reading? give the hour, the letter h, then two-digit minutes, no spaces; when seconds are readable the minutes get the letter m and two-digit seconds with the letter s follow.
11h28
